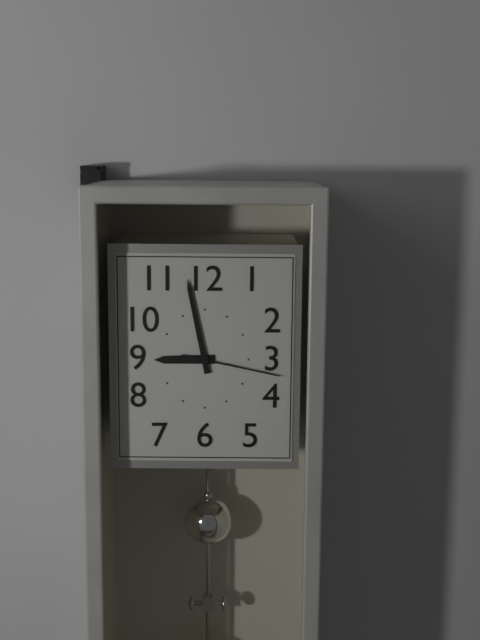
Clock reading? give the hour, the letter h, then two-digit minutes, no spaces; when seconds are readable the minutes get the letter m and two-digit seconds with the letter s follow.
8h58m17s
